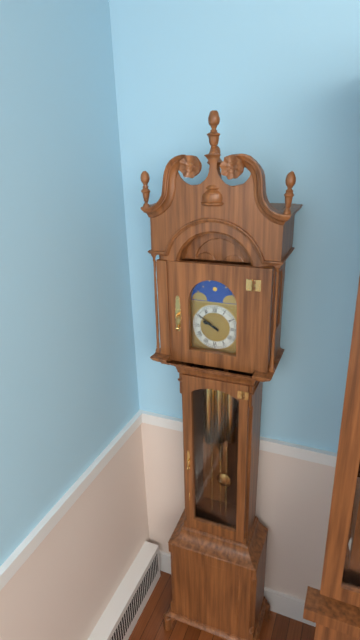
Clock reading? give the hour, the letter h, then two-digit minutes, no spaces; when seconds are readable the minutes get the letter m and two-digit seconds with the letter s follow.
9h51
